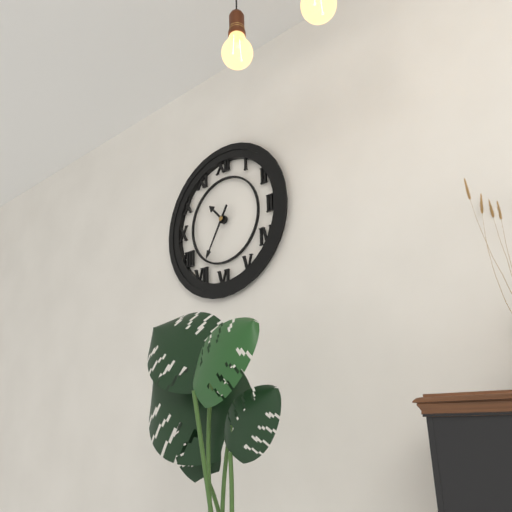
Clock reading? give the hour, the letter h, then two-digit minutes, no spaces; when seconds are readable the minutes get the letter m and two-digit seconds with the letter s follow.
10h35
